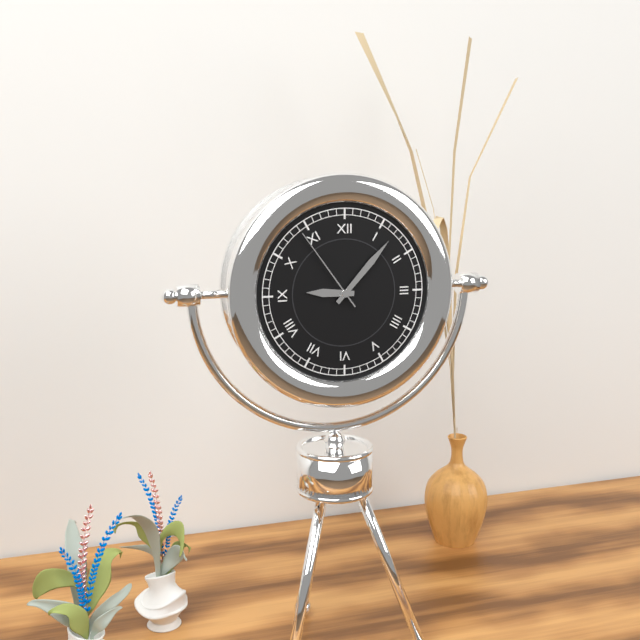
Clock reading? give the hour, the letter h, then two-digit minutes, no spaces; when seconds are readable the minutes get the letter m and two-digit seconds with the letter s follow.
9h07m54s
